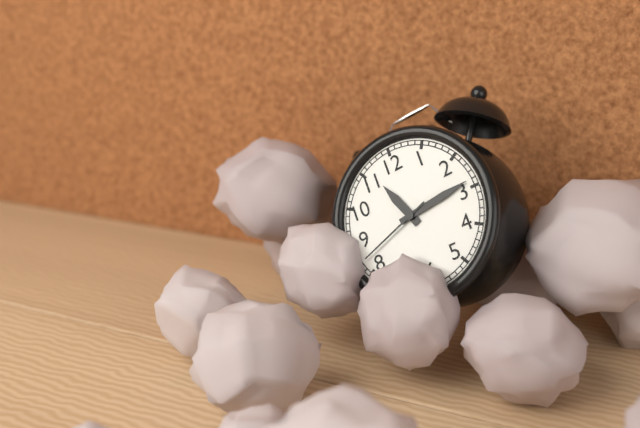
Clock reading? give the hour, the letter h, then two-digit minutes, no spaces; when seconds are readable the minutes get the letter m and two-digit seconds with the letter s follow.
11h14m42s
